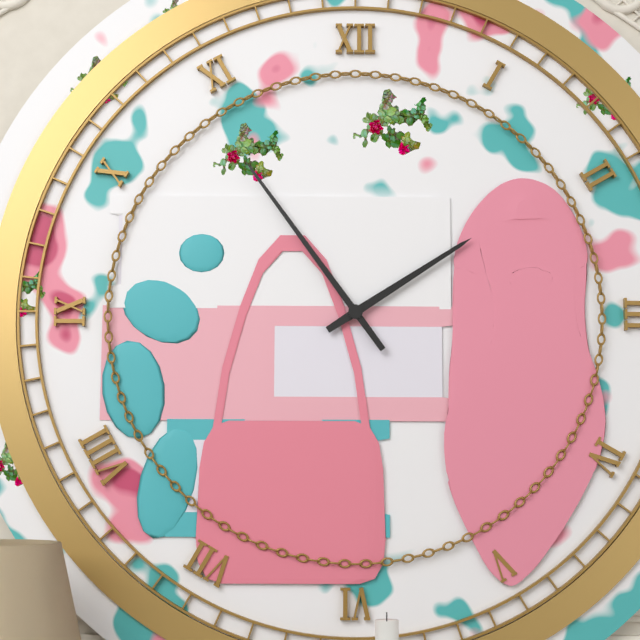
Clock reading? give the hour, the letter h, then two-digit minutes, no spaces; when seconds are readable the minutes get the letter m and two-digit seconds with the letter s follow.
1h54
